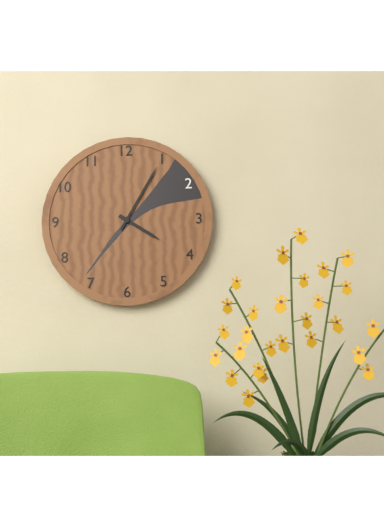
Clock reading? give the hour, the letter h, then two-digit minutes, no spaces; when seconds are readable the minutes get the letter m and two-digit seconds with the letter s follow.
4h05
